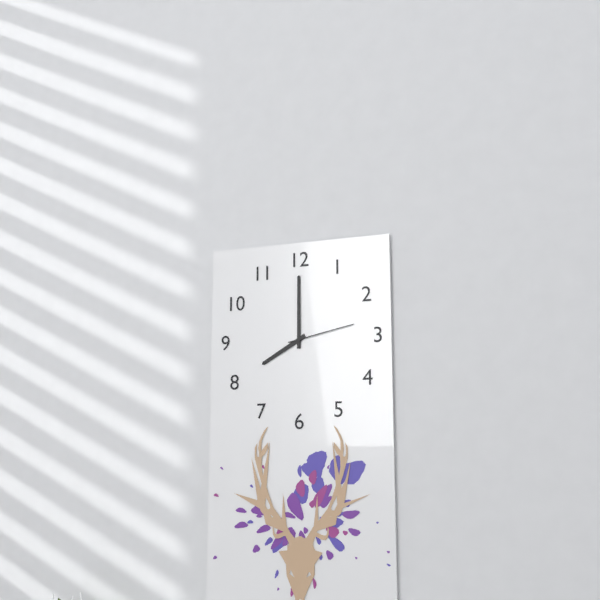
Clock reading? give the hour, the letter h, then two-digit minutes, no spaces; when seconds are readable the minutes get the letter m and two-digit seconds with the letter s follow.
8h00m13s
